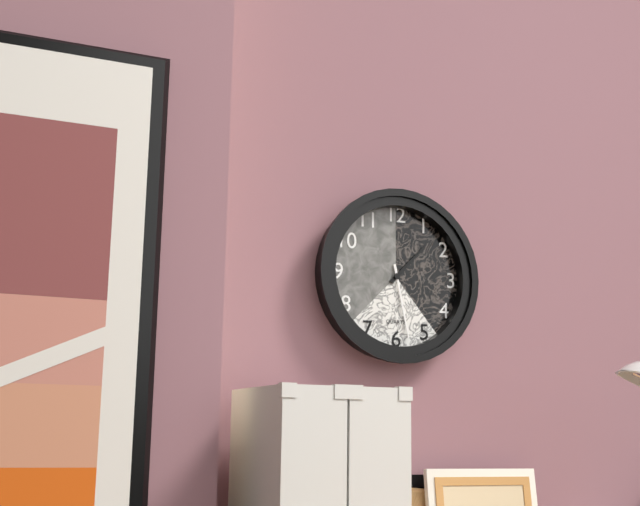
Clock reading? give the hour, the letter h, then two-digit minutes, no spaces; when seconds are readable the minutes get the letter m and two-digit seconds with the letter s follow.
1h28
